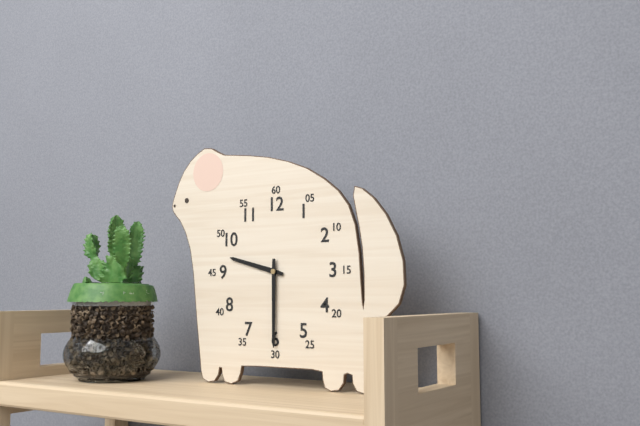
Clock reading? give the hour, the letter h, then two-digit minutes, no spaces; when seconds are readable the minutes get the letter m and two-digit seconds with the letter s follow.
9h30
